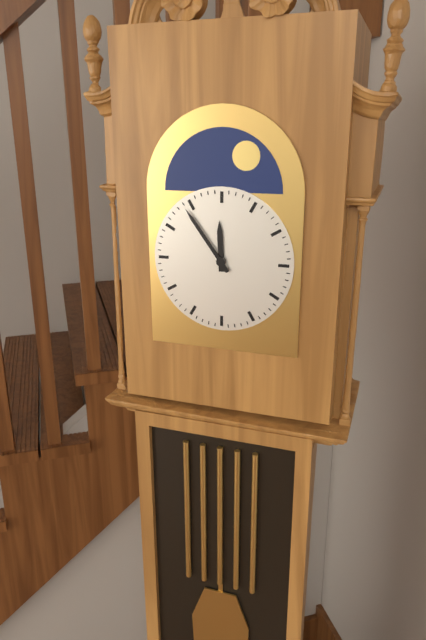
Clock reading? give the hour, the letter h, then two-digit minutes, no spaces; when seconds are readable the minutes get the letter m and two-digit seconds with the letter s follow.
11h54
